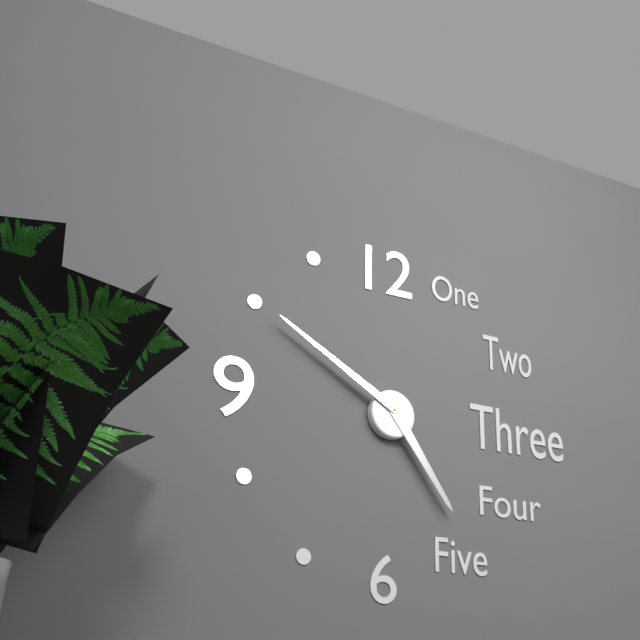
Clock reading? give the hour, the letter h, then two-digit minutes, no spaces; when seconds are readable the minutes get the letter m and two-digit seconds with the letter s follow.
4h50
